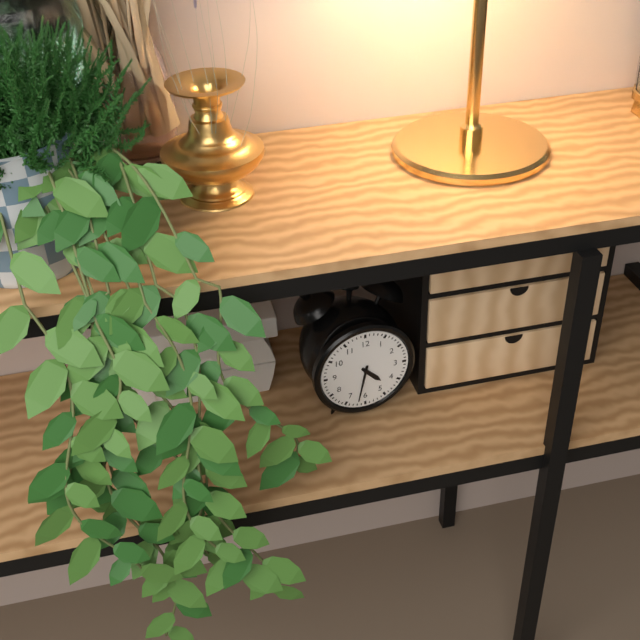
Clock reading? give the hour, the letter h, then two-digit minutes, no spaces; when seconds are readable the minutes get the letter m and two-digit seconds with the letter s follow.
4h32
